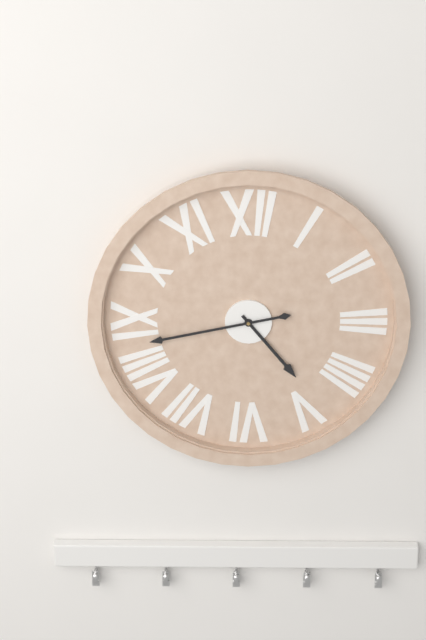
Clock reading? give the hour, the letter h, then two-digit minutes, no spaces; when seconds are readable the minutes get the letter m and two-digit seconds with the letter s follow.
4h43
